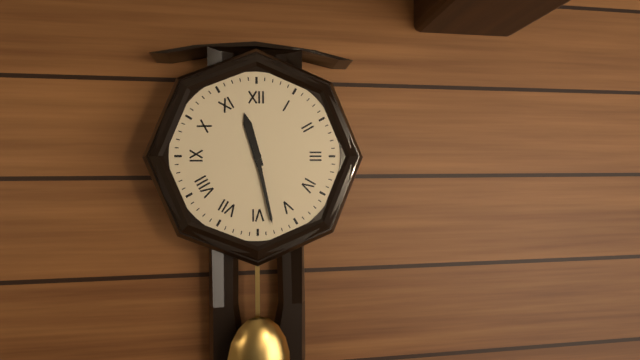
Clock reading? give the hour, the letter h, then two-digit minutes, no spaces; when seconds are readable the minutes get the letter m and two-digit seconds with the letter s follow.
11h28
